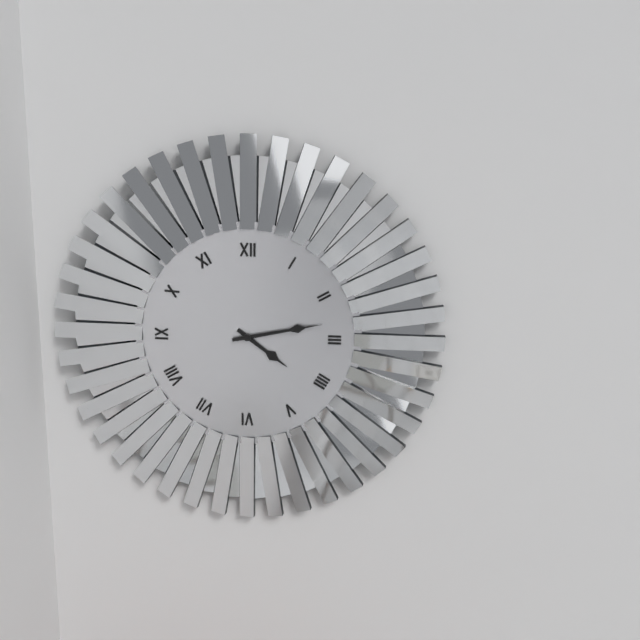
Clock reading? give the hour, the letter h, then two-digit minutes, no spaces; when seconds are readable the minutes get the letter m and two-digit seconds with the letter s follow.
4h13
